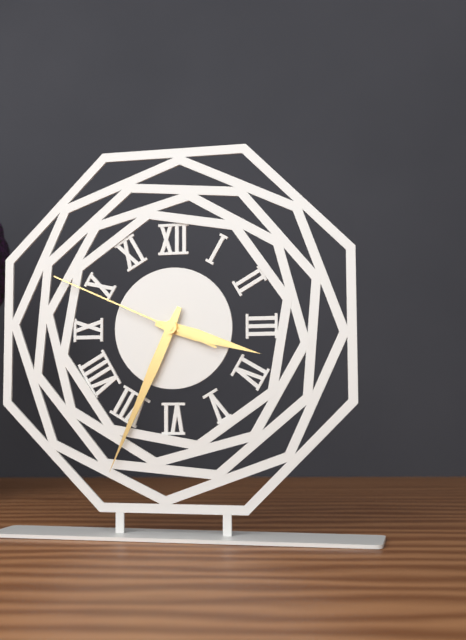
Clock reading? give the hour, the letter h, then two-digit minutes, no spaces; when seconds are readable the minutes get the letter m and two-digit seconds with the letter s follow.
3h34m49s
